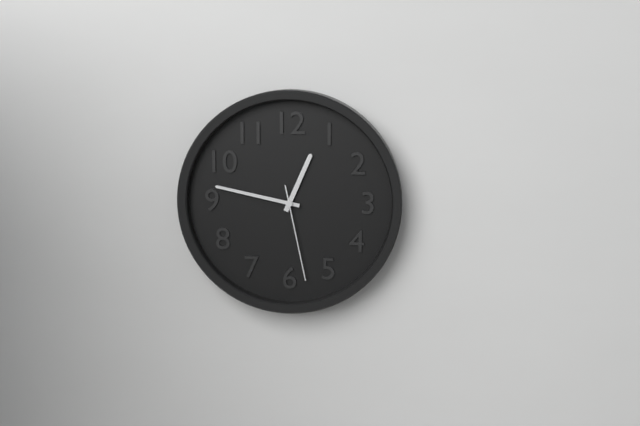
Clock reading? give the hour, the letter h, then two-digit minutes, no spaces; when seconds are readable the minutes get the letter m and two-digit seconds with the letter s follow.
12h47m28s
